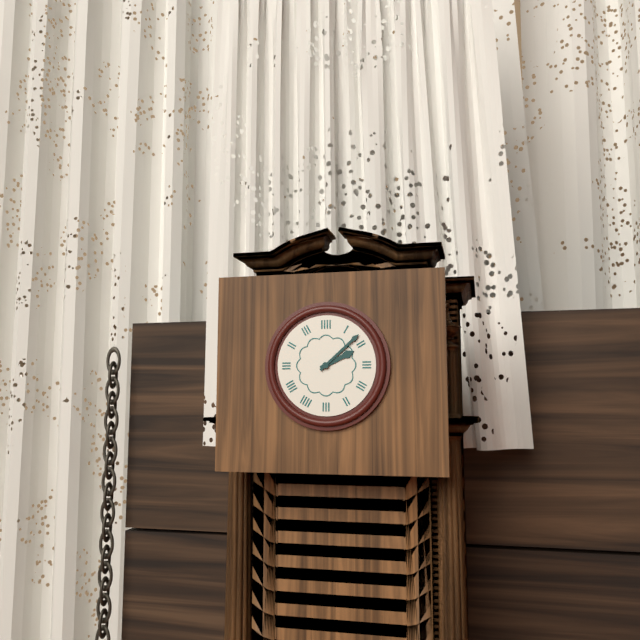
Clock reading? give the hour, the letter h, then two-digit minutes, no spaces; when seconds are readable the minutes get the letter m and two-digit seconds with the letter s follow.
2h08
